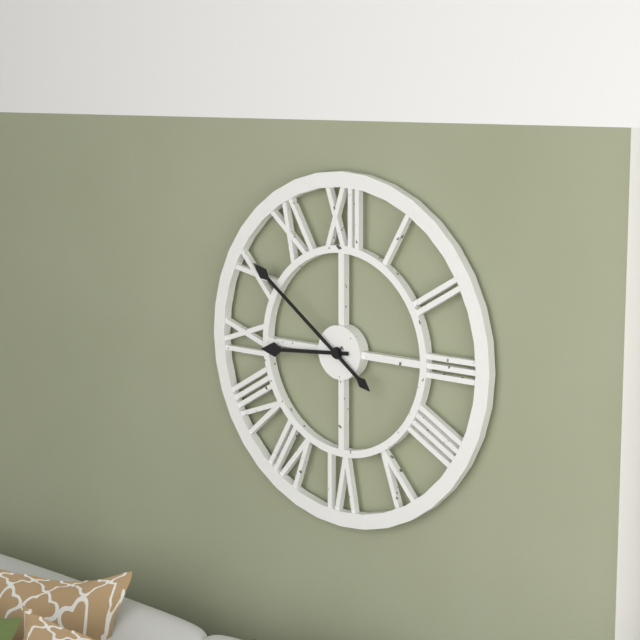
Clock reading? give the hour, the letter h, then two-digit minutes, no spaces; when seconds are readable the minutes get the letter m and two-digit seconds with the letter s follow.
8h51
